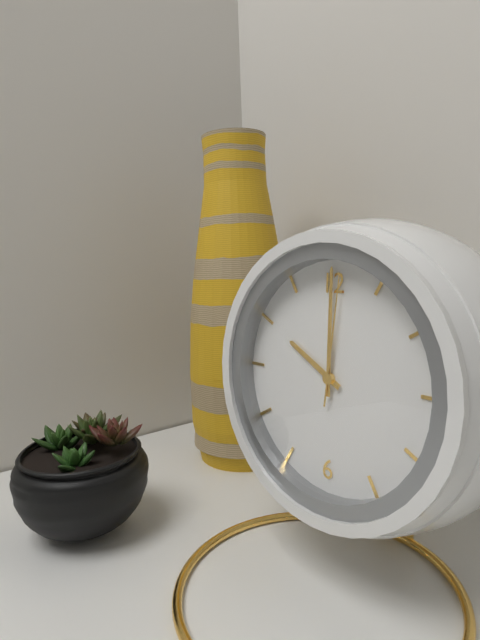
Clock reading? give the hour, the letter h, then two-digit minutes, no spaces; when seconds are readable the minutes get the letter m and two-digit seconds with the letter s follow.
10h00m01s
